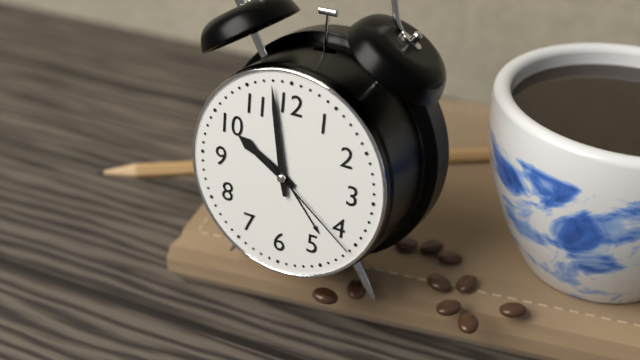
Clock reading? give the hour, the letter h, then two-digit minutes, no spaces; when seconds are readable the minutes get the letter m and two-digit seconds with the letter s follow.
9h58m21s
